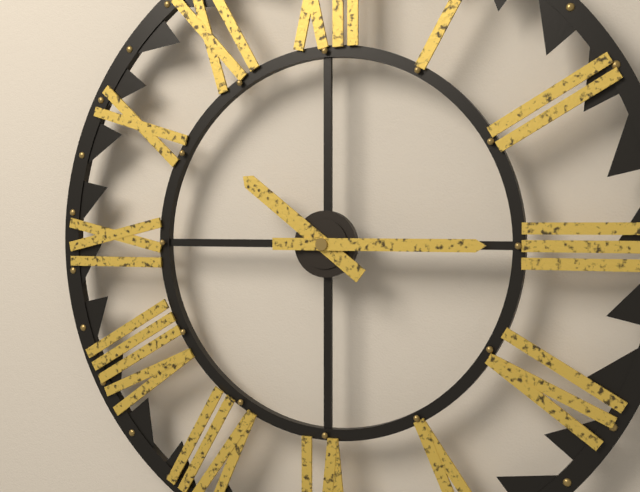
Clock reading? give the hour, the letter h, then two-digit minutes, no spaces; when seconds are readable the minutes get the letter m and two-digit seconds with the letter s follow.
10h15
